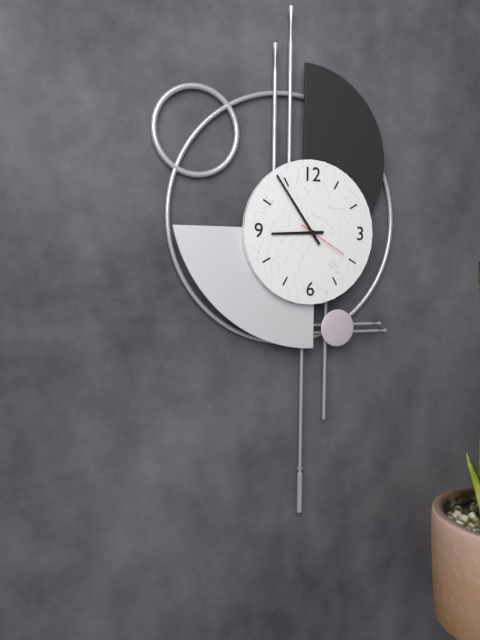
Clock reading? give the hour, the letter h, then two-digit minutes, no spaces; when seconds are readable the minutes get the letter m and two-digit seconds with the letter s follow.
8h54
